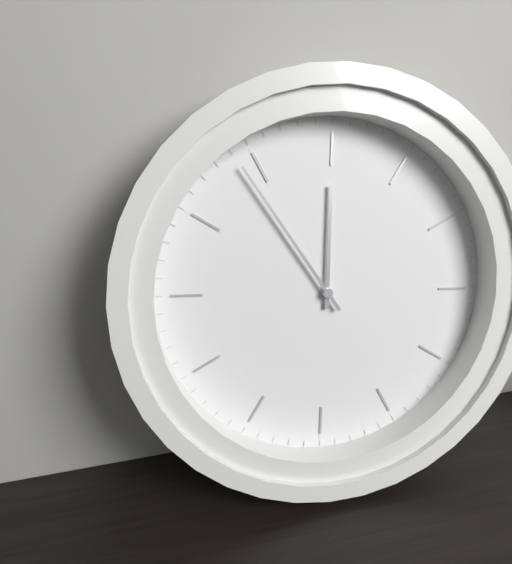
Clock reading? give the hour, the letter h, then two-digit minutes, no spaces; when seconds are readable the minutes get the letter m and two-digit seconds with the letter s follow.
12h59
